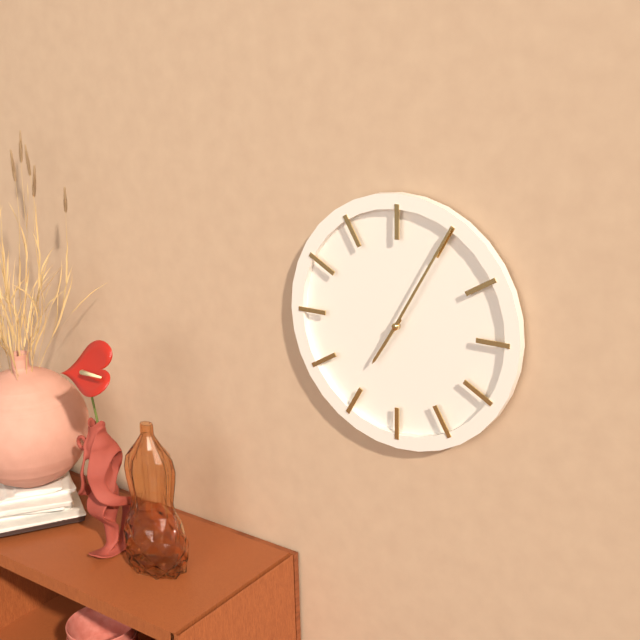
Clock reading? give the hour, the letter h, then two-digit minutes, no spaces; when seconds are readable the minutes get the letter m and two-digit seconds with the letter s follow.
7h05
